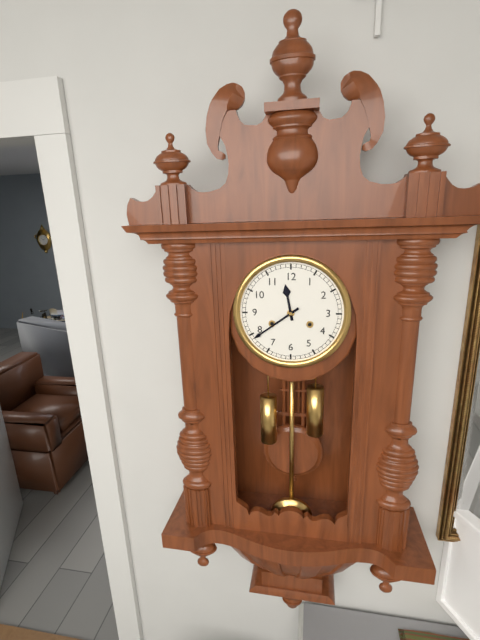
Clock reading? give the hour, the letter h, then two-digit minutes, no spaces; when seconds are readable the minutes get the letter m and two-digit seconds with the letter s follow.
11h39
